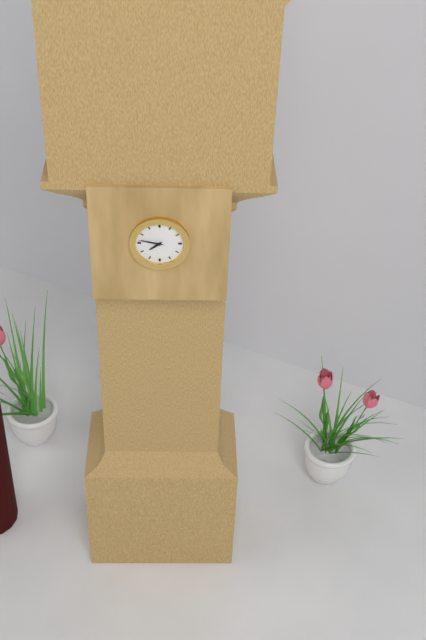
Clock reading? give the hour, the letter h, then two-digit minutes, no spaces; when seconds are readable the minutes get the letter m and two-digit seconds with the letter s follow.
7h47
